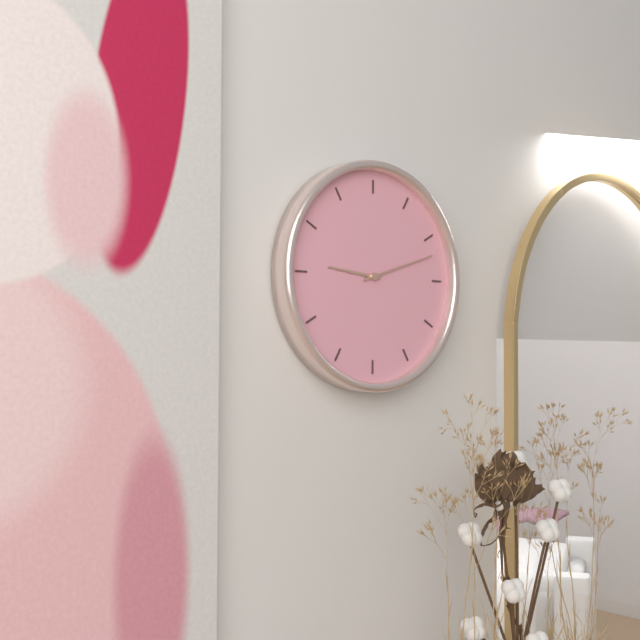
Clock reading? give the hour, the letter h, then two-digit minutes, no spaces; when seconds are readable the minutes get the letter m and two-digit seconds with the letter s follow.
9h12
